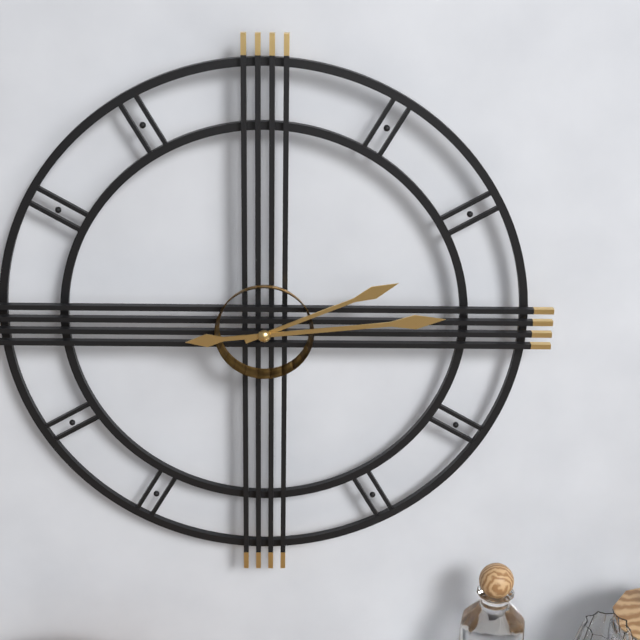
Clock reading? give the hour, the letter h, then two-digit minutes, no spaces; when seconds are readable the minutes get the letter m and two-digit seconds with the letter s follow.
2h14
